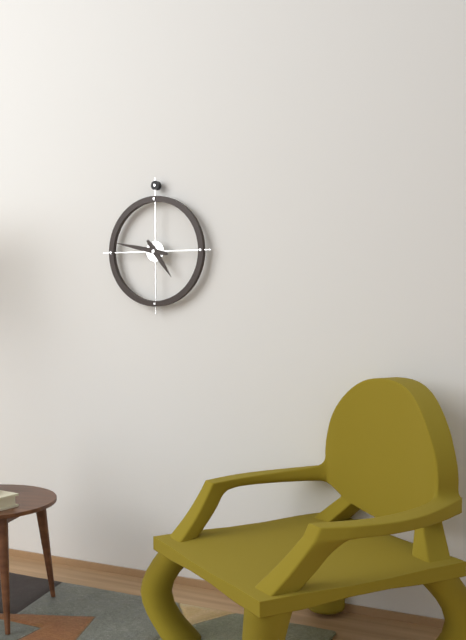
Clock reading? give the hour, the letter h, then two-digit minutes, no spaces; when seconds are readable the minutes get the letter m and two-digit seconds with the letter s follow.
4h47
